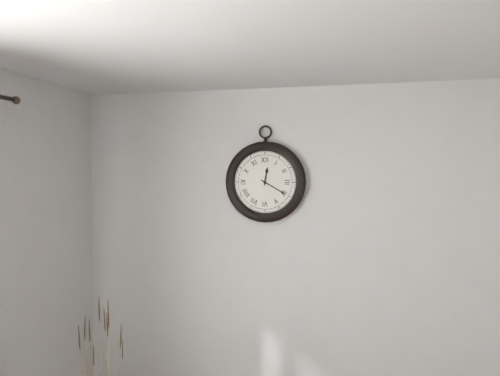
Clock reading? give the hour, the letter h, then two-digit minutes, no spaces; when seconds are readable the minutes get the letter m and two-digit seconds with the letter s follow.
12h20
